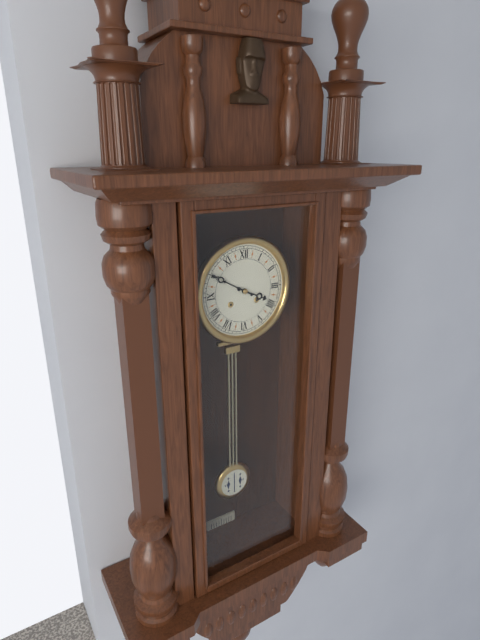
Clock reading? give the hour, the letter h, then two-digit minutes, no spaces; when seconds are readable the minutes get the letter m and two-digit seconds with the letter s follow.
3h50
